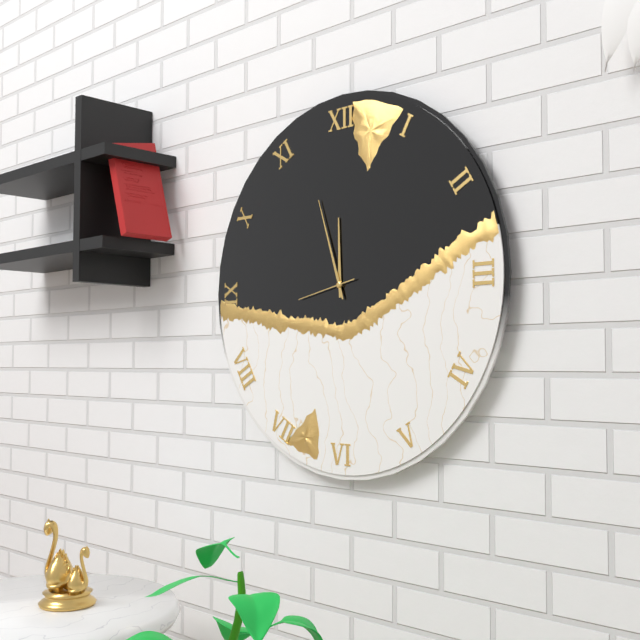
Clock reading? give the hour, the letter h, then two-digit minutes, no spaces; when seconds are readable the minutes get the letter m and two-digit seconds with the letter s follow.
11h57m43s
